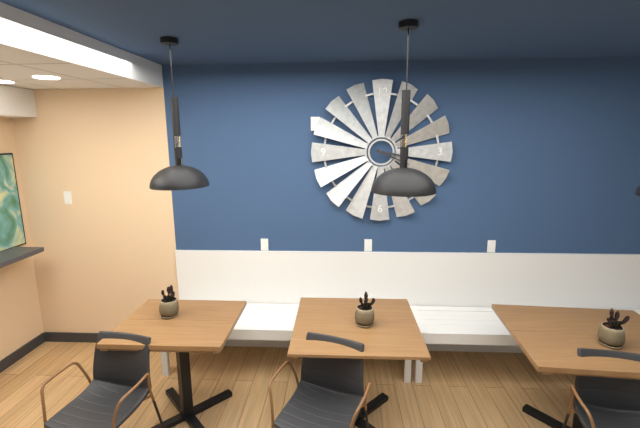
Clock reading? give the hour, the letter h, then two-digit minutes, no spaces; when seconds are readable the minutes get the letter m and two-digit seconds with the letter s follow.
3h19
